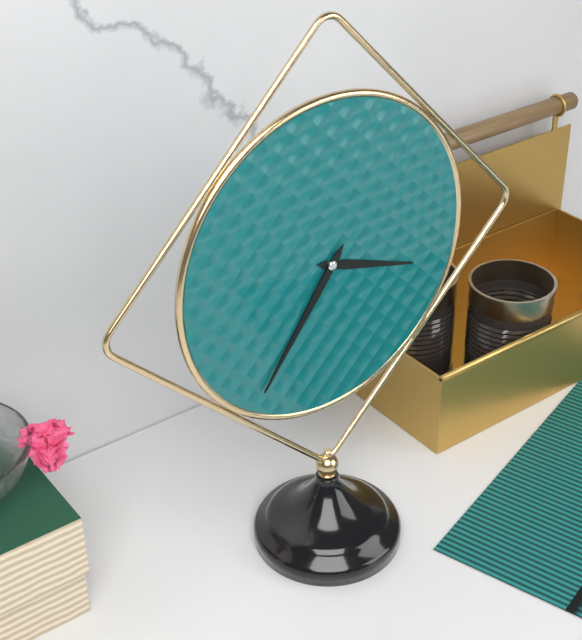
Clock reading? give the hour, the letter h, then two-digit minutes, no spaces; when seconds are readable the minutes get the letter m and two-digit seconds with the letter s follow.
3h36
